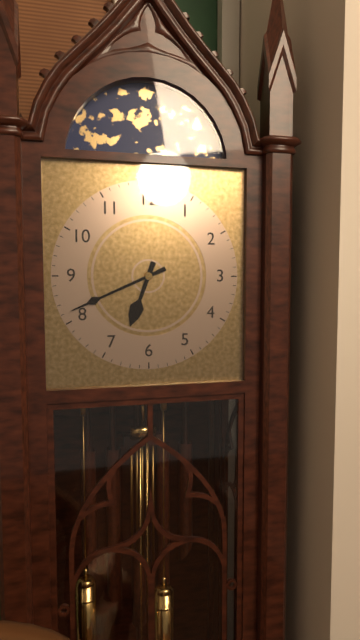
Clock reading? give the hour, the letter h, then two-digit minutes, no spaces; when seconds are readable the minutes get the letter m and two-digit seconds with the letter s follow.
6h41
